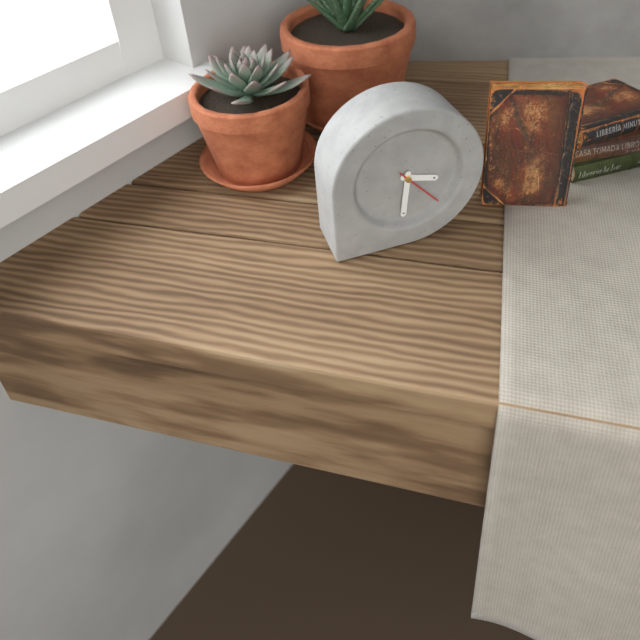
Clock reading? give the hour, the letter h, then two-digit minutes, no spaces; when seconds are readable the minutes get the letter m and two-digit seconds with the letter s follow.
3h31m23s
